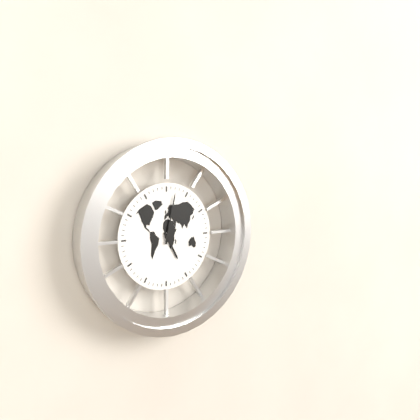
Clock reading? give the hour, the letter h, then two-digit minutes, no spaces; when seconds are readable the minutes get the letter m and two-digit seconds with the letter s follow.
5h02
